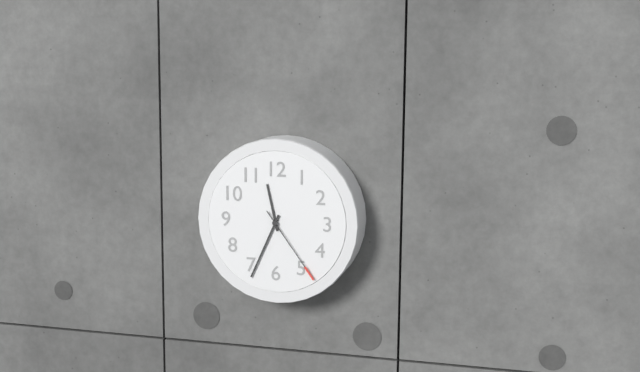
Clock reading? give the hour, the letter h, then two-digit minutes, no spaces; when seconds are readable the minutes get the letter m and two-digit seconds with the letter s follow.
11h34m24s
